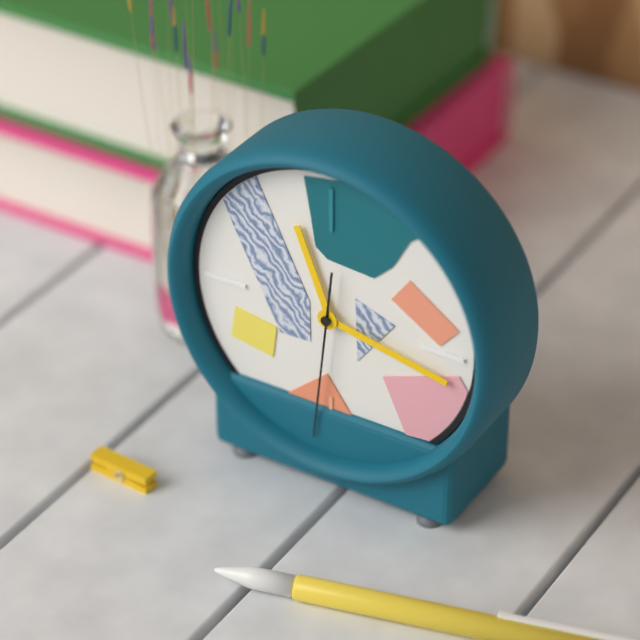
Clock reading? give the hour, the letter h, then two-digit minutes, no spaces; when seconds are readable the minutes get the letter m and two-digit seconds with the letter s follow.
11h17m31s
